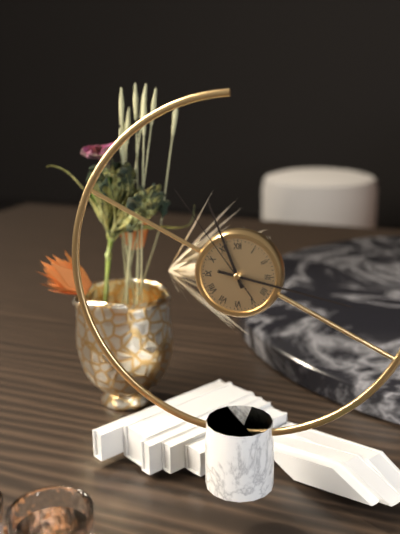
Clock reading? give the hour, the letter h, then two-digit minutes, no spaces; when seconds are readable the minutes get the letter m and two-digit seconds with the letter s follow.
11h17m54s
